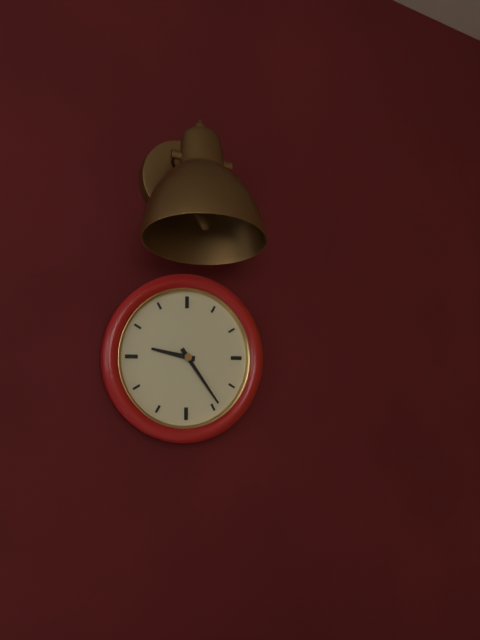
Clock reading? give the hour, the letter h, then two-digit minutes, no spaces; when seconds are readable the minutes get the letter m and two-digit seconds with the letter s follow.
9h24
